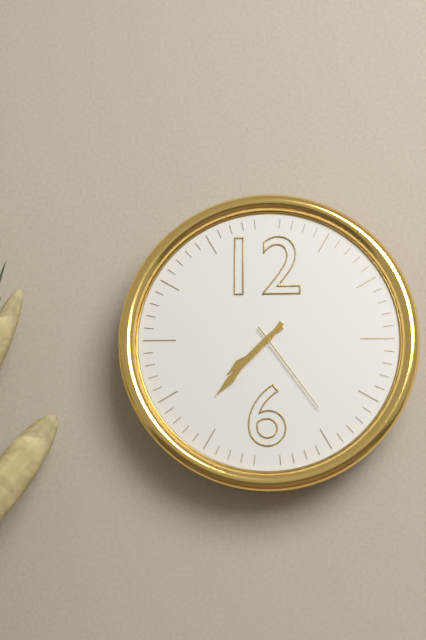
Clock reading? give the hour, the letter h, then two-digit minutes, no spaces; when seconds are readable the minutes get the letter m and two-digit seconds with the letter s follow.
7h37m24s
